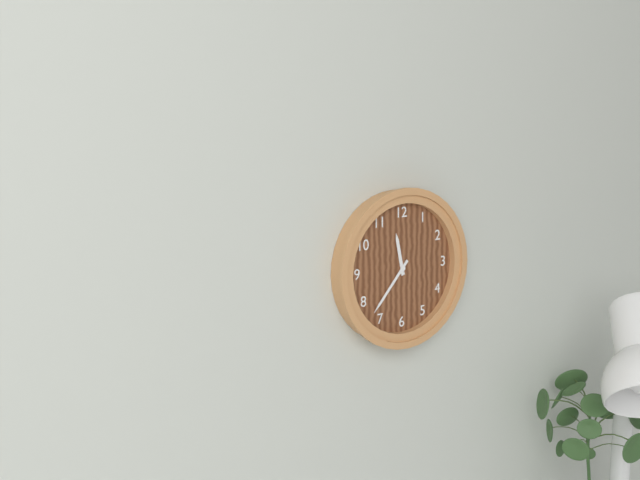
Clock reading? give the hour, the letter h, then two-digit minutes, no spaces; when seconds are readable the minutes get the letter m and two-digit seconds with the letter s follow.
11h37
